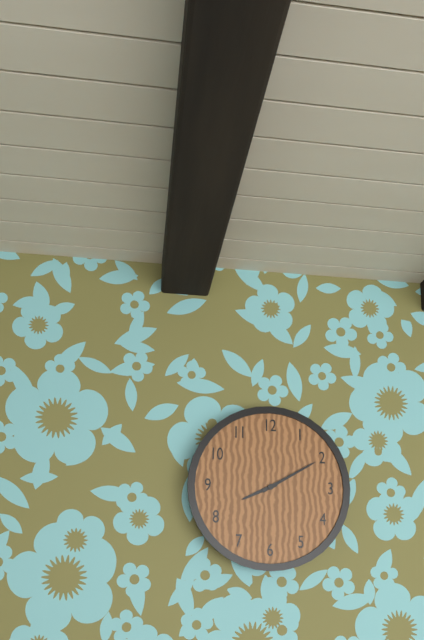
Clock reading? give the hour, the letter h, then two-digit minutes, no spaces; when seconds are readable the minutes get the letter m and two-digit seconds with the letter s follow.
8h10
